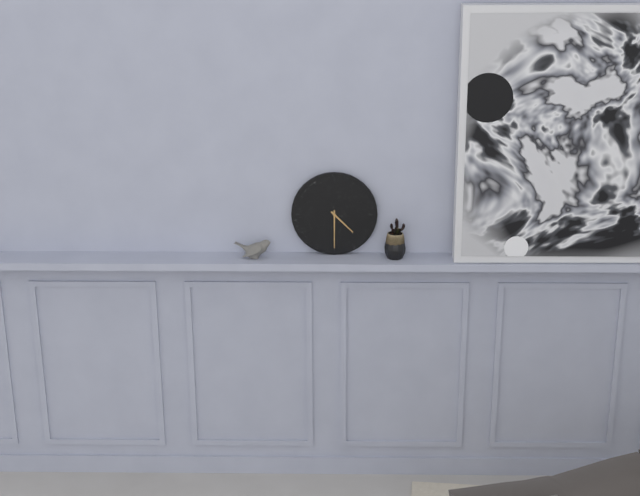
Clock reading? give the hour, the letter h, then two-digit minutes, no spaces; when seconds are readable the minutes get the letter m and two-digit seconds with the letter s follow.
4h30
